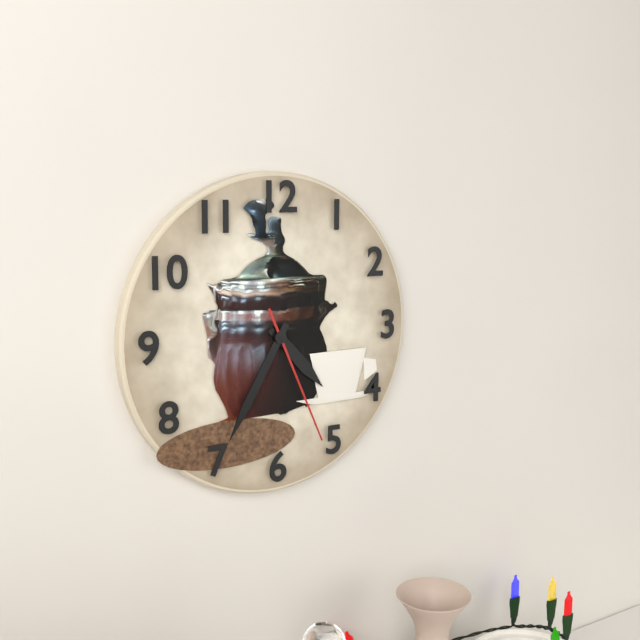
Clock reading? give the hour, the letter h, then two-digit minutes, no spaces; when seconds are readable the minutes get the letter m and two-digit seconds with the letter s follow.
4h35m26s
